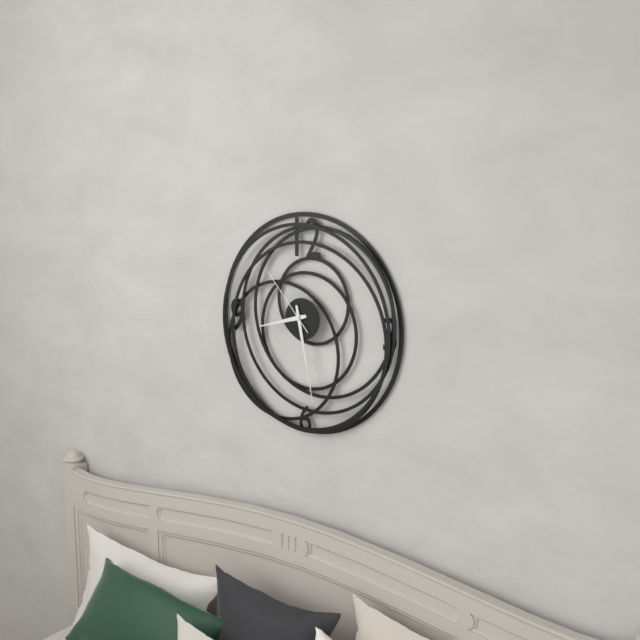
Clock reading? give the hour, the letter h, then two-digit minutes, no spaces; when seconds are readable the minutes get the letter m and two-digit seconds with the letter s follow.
8h28m53s
